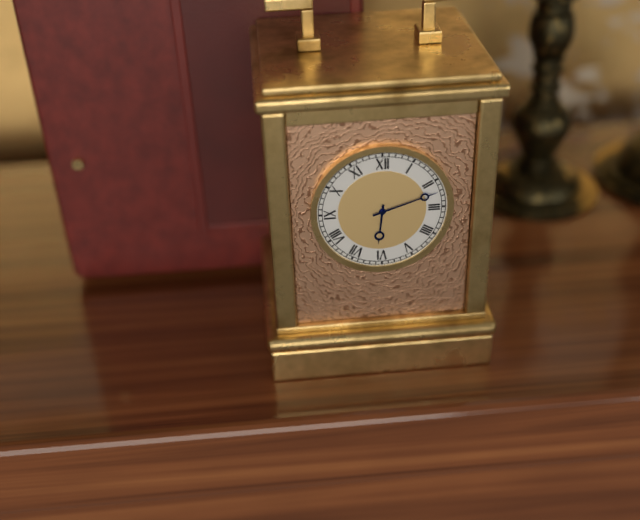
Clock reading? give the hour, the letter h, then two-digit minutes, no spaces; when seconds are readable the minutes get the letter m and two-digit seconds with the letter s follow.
6h12
